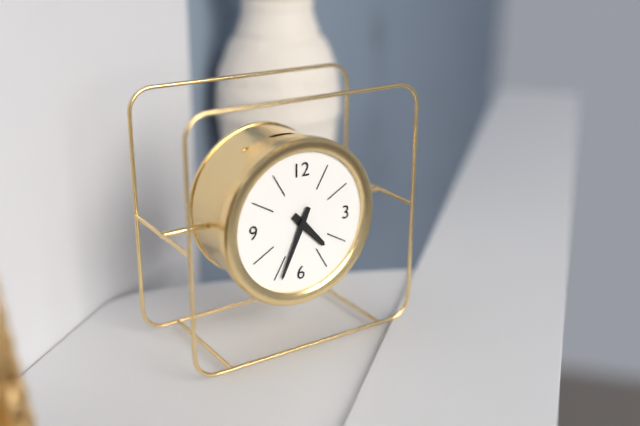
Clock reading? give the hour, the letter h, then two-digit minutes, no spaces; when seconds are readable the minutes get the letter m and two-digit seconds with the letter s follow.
4h34
